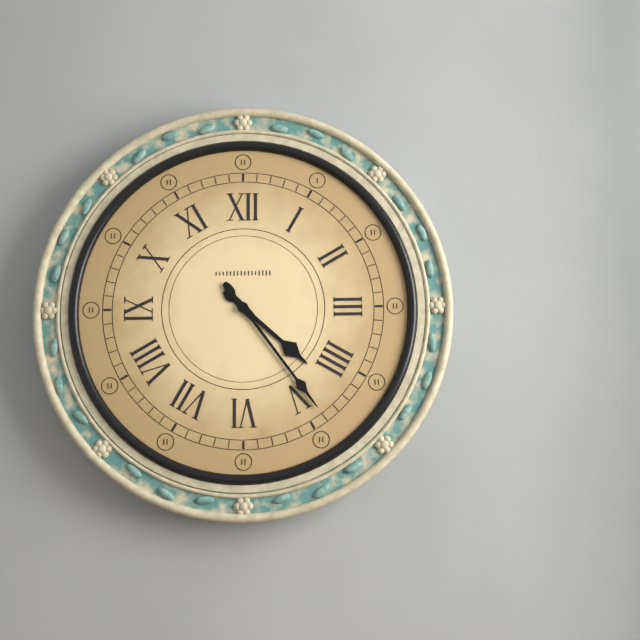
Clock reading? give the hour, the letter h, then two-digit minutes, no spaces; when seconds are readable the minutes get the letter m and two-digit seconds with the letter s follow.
4h24
